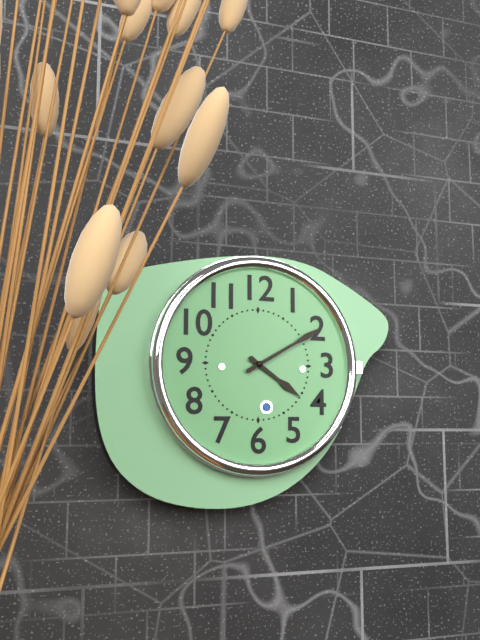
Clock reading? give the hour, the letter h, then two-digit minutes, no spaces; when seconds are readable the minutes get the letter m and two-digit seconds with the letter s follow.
4h10
